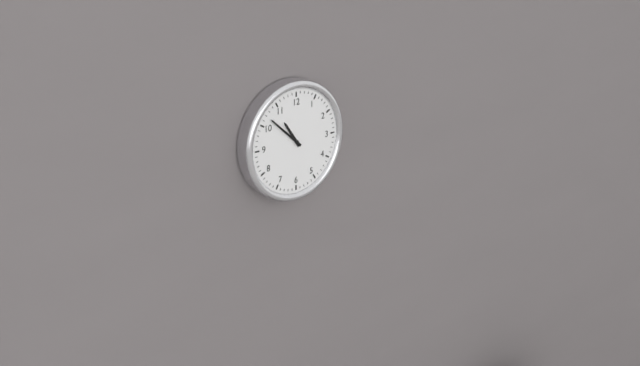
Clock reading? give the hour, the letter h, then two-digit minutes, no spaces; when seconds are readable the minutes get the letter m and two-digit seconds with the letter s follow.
10h52
